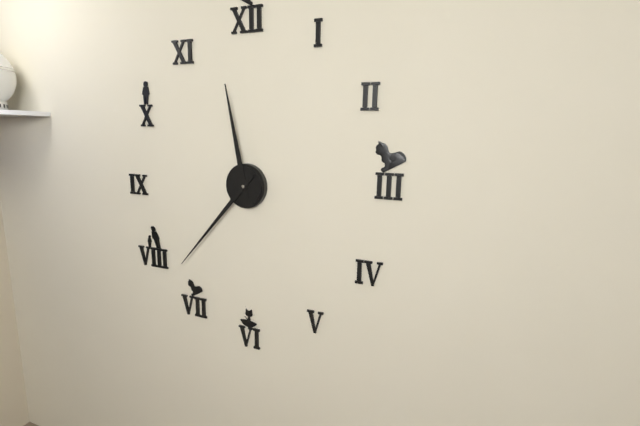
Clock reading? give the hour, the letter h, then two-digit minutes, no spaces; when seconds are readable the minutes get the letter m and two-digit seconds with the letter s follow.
11h37
